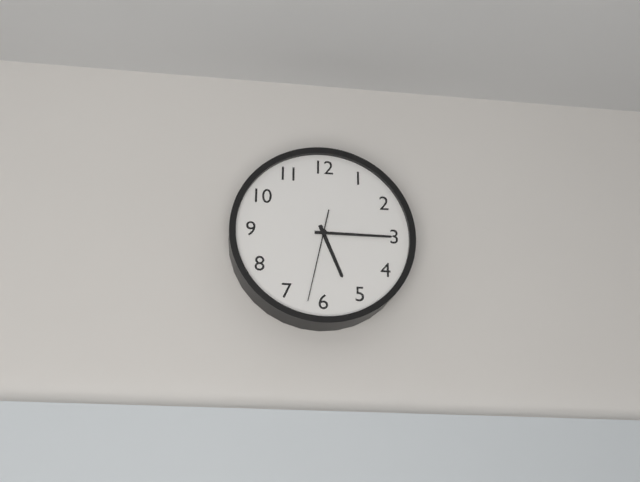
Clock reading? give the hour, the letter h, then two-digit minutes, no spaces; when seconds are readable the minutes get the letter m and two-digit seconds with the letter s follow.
5h15m32s
